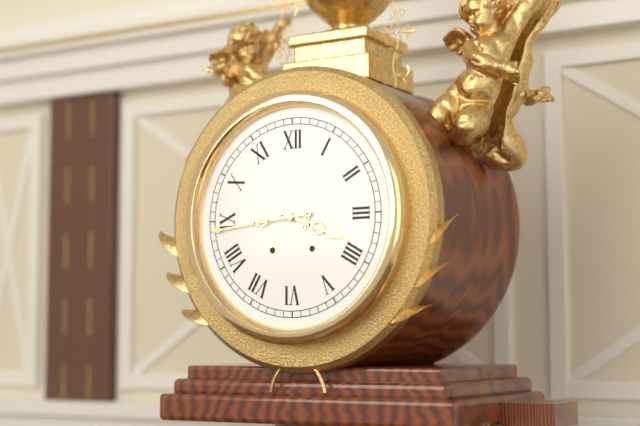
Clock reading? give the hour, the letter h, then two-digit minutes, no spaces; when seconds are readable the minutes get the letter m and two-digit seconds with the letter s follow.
3h44
